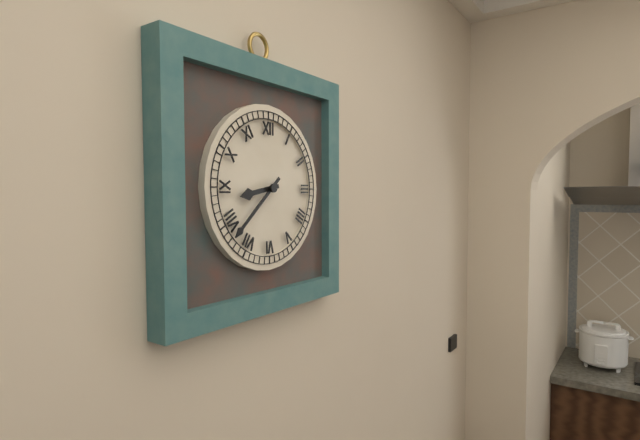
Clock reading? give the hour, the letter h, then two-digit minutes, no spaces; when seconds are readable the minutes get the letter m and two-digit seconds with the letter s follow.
8h38
